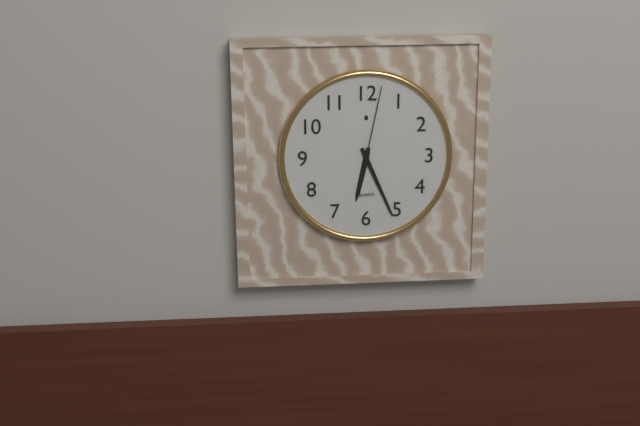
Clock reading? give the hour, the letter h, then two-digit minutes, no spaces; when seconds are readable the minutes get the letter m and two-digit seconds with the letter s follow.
6h26m02s
